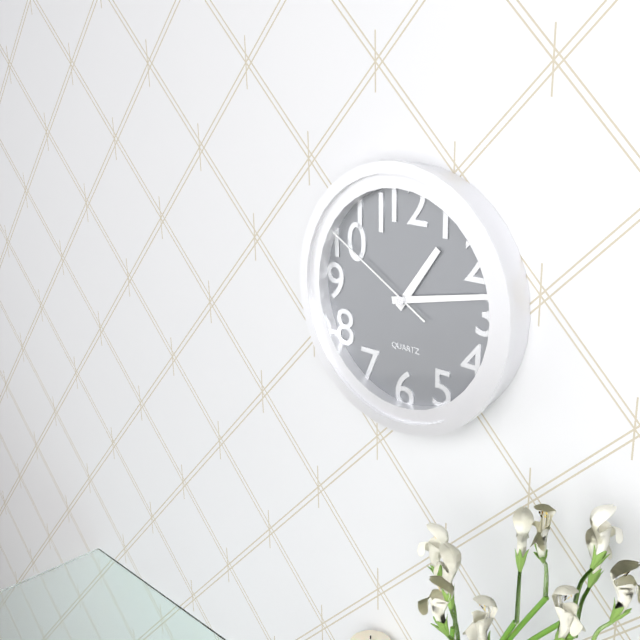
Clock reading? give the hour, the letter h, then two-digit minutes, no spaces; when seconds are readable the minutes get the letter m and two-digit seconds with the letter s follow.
1h13m50s
